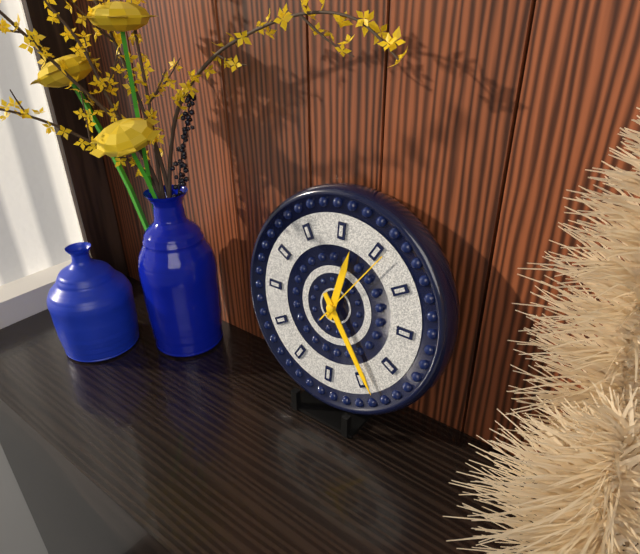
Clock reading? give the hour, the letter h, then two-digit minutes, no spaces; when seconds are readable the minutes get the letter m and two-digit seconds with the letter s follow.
12h24m06s
